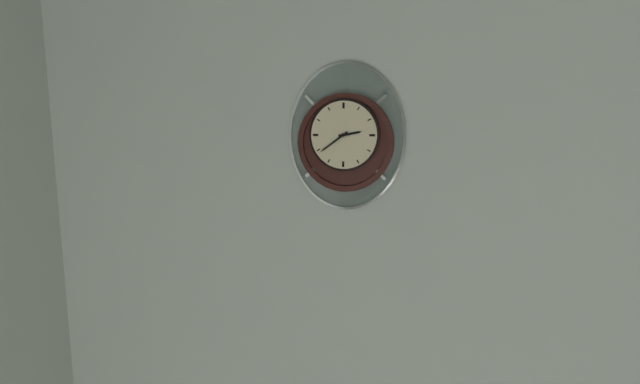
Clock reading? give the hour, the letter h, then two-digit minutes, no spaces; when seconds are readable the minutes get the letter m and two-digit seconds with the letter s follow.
2h39
